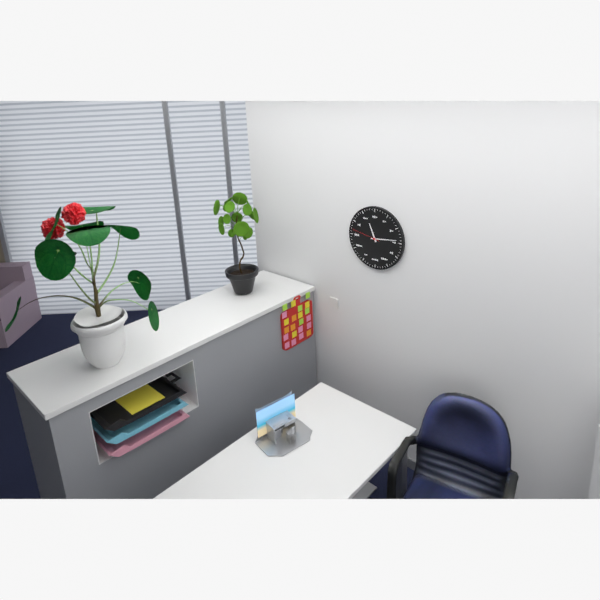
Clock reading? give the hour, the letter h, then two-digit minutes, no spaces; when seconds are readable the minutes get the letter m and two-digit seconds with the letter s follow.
11h14
